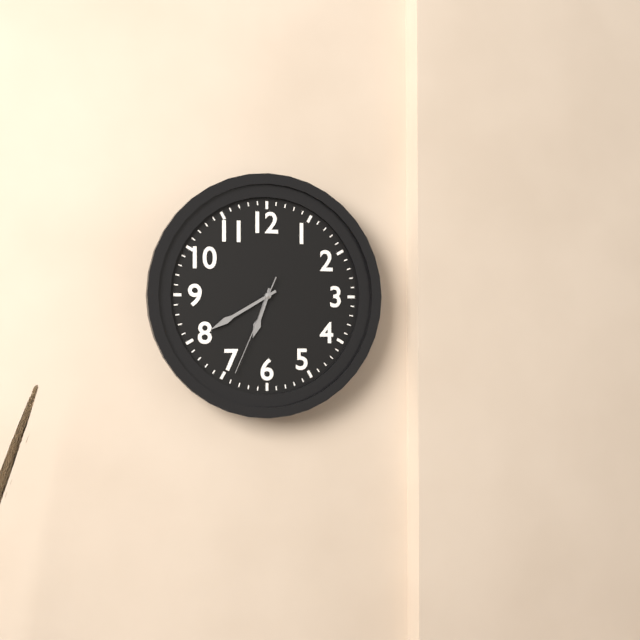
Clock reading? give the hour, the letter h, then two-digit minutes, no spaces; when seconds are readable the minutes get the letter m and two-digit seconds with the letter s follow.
6h40m34s
